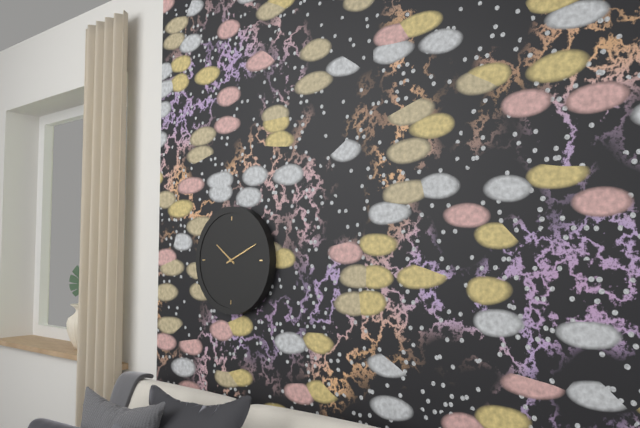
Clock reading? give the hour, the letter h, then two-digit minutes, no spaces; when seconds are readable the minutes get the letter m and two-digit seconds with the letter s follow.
10h11
